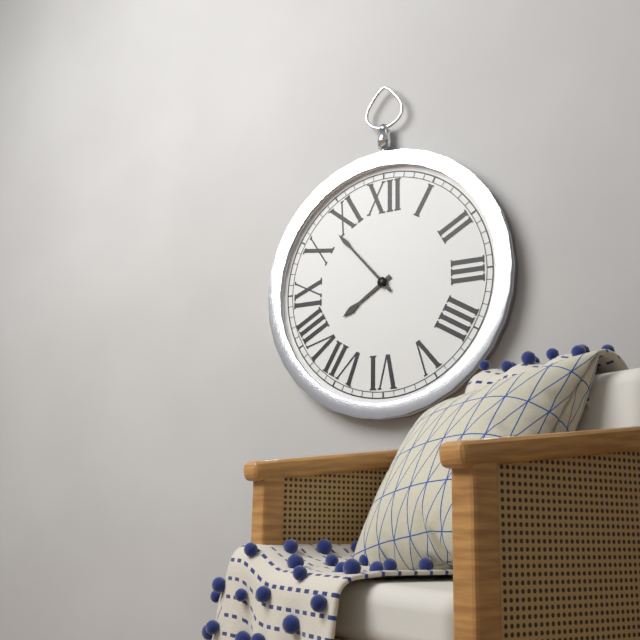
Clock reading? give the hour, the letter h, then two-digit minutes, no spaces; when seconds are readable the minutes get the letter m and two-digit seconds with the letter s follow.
7h53
